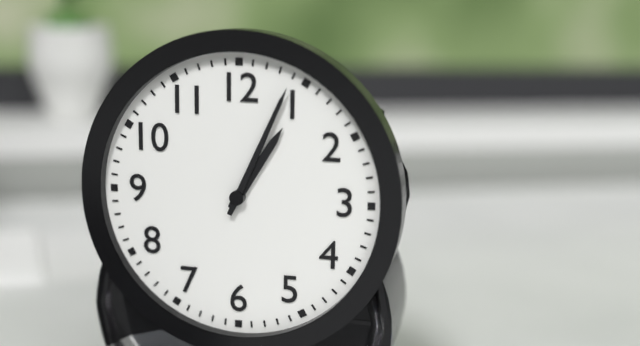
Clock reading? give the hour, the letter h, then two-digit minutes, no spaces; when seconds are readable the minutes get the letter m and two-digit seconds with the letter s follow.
1h04
